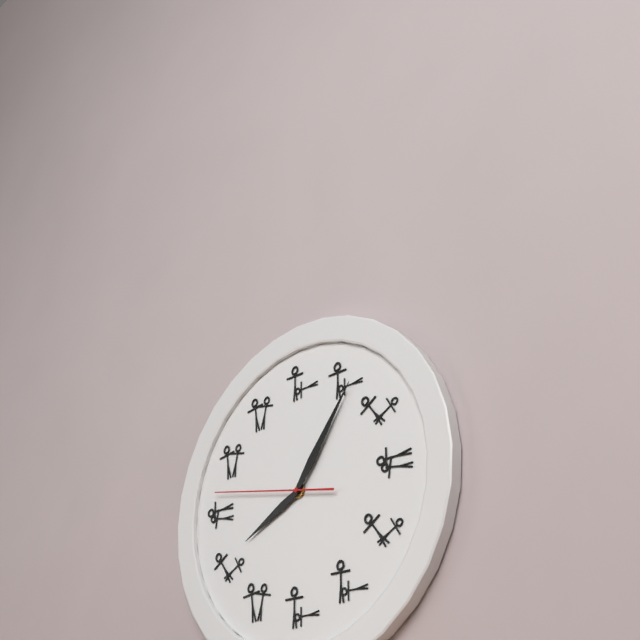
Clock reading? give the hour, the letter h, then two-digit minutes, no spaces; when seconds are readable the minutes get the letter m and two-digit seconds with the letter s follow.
8h06m47s
